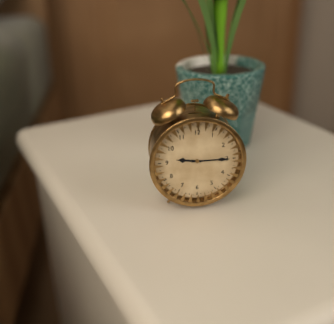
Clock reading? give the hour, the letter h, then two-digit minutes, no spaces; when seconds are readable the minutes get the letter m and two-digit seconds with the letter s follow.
9h15
